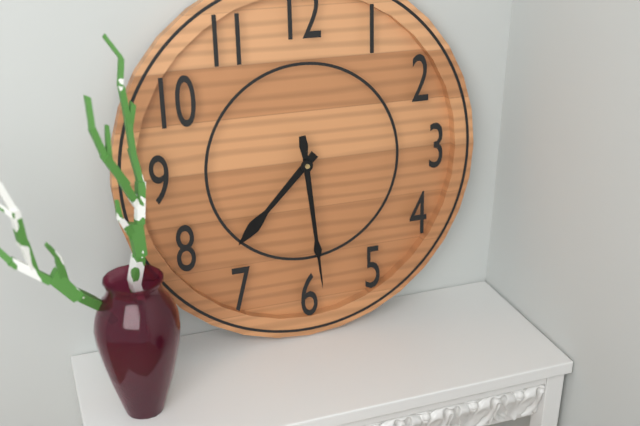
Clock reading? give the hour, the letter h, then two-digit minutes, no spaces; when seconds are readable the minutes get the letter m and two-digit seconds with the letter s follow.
7h29
